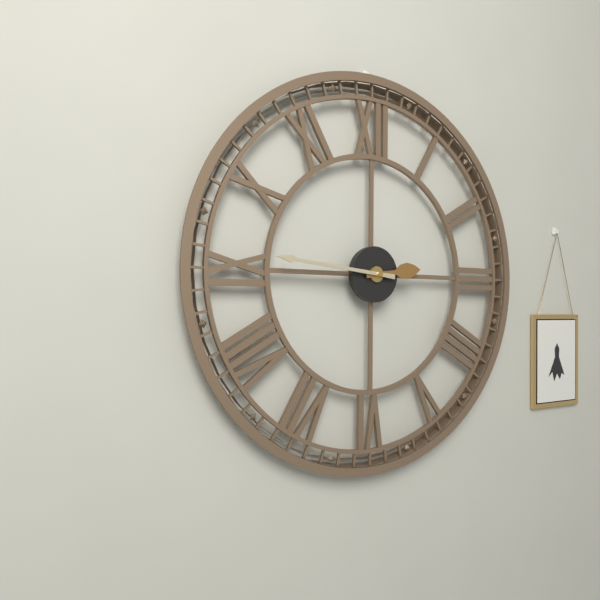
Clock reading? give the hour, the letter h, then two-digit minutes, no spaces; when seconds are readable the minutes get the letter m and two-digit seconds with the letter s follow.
2h46
